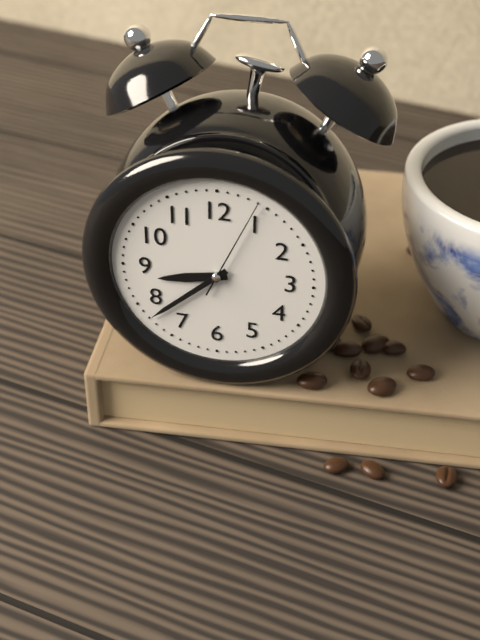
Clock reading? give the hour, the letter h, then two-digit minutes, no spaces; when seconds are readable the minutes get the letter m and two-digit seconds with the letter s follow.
8h38m04s
